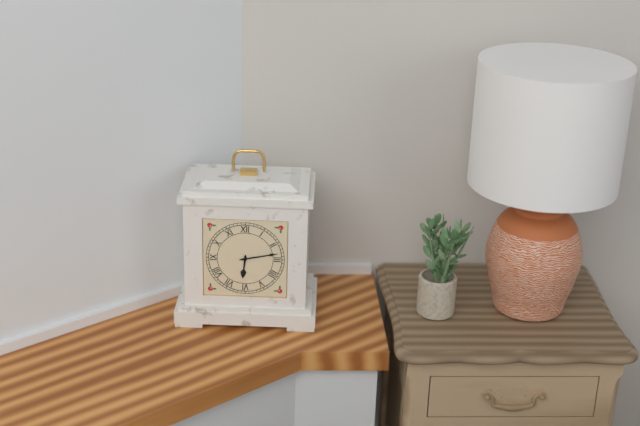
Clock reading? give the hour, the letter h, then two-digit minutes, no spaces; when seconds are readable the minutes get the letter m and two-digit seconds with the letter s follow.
6h13
